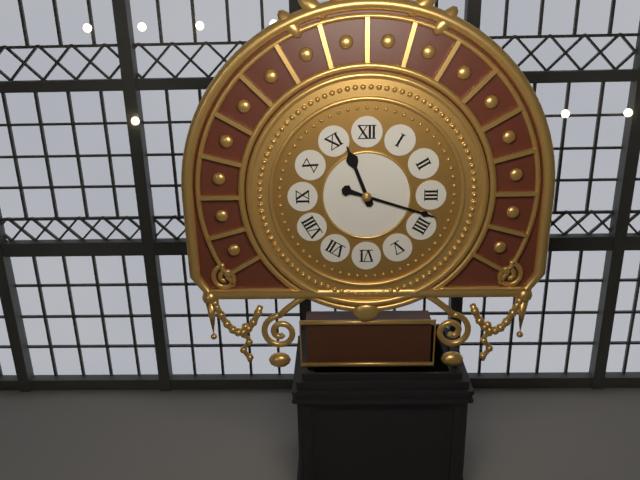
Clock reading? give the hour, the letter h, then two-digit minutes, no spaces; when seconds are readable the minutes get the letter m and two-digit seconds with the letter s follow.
11h18
